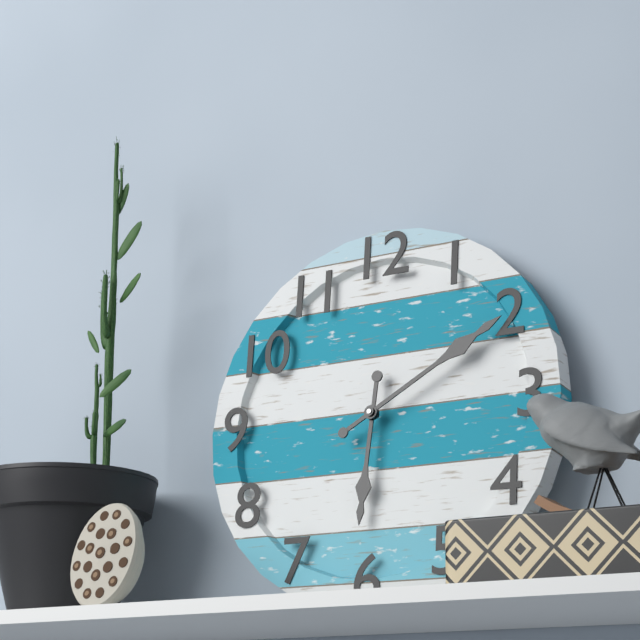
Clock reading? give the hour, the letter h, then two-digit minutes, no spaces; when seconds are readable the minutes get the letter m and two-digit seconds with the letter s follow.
6h10
